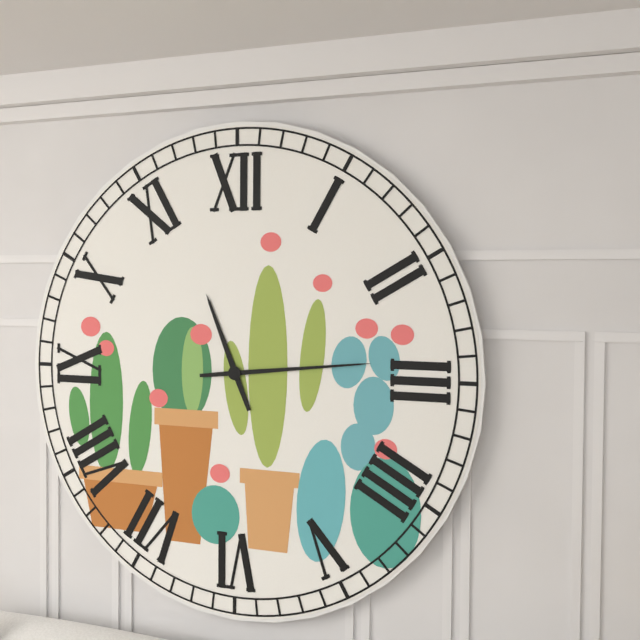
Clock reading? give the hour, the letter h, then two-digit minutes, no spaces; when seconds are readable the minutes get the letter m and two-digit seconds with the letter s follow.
11h14
